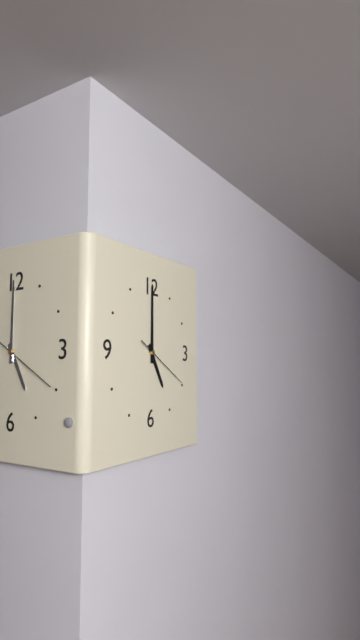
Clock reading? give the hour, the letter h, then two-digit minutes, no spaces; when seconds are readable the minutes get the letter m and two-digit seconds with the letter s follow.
5h00m20s
